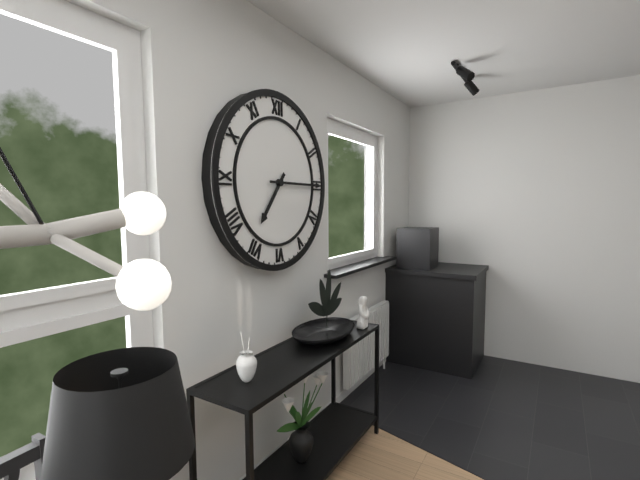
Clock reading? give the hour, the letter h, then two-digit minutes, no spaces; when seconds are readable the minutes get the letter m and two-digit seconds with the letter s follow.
7h15
